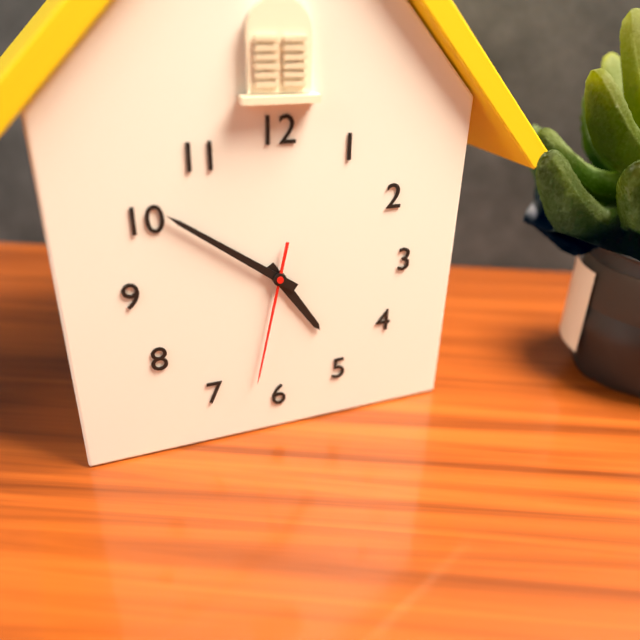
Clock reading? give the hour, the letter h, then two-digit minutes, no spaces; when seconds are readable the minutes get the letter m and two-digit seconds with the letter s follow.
4h51m32s
